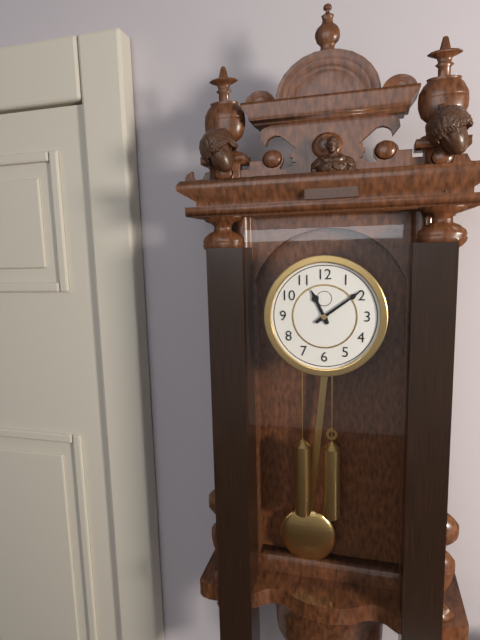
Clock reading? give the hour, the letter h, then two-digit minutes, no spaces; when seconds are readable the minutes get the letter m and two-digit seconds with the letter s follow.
11h09
